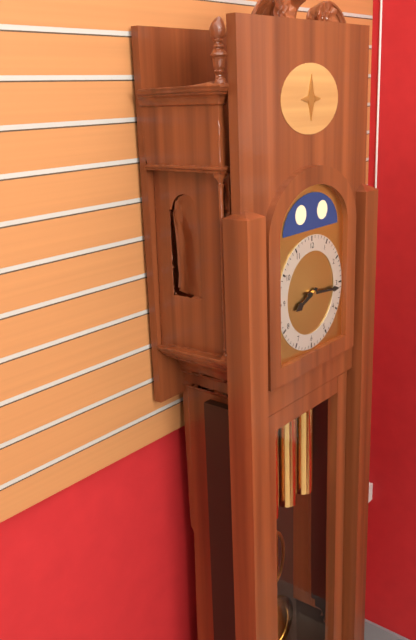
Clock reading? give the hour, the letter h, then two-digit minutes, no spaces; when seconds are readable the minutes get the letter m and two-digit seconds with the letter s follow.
8h16
